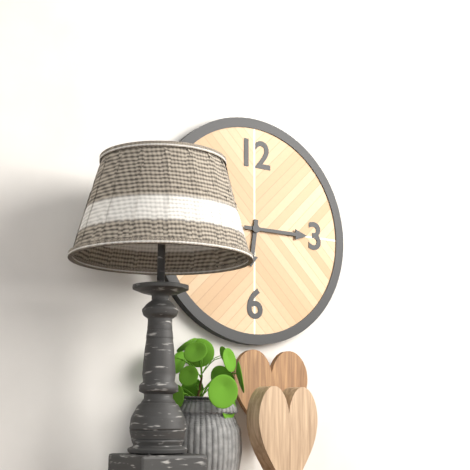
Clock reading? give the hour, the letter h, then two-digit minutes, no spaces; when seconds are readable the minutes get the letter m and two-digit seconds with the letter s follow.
6h15
